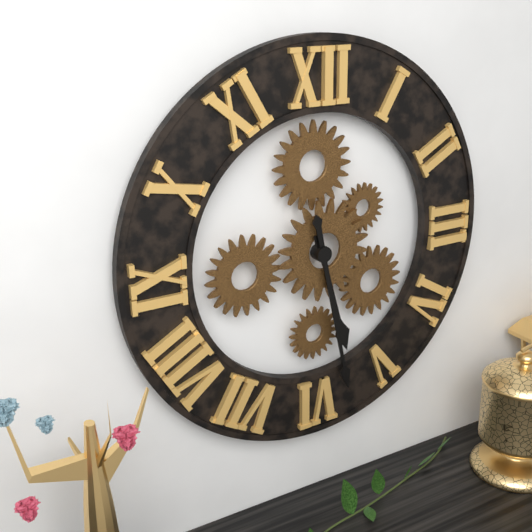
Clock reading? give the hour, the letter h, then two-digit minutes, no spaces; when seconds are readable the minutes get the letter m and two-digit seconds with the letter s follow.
5h28
